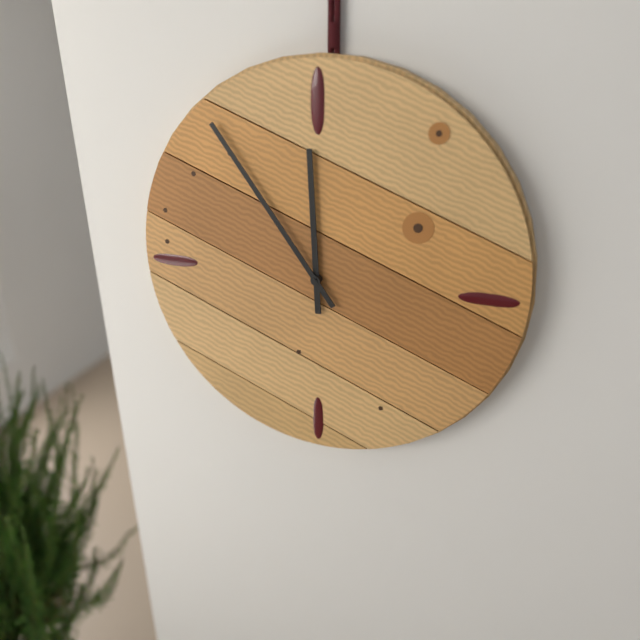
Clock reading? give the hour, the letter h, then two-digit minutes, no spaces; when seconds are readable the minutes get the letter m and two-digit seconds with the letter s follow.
11h54
